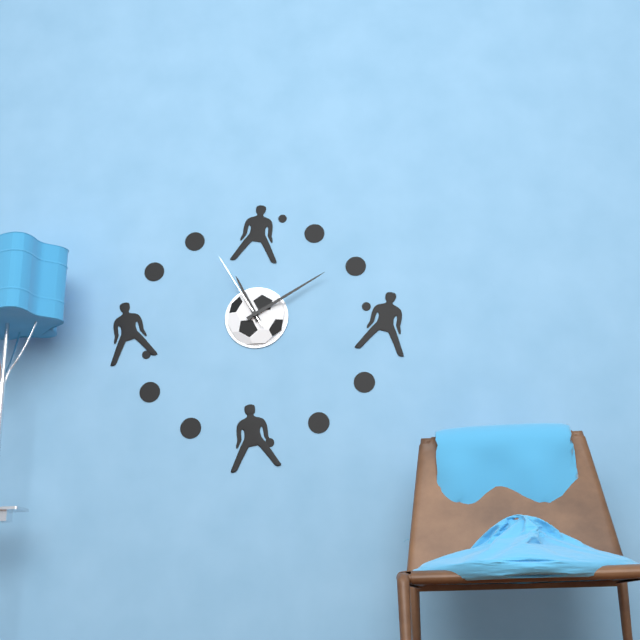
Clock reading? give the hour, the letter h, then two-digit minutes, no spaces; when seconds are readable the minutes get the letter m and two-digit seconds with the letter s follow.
11h10m55s
